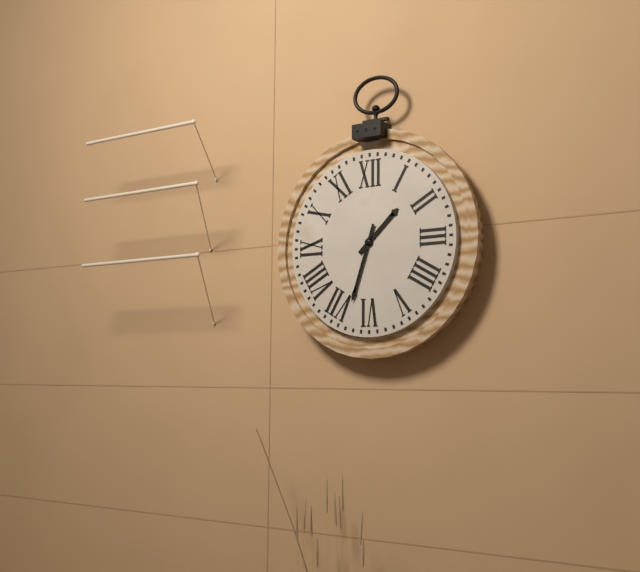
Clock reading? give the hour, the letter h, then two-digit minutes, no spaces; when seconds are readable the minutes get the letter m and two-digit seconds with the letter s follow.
1h33
